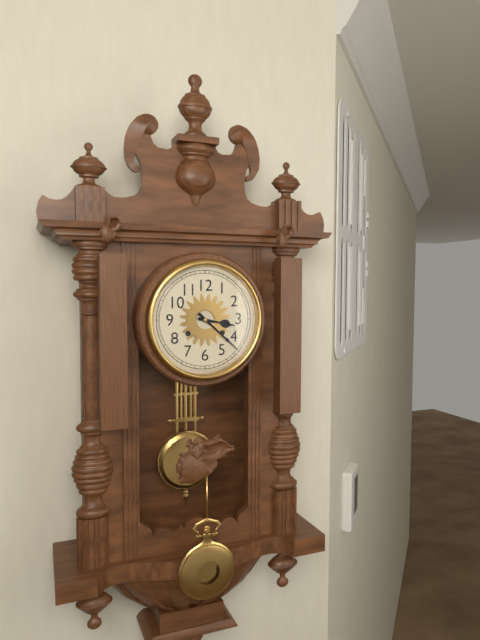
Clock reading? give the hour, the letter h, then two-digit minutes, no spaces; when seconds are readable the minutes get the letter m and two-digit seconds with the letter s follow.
3h22
